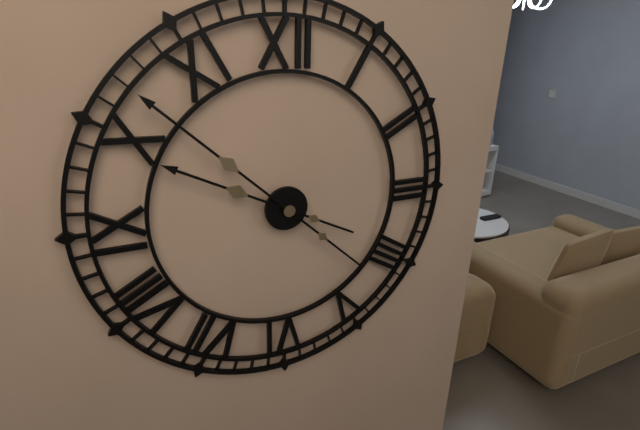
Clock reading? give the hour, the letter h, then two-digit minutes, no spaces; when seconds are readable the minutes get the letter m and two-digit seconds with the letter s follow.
9h52
